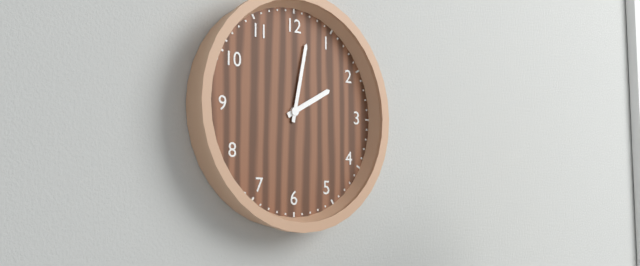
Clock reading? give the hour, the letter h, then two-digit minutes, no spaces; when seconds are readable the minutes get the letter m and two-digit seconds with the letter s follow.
2h02
